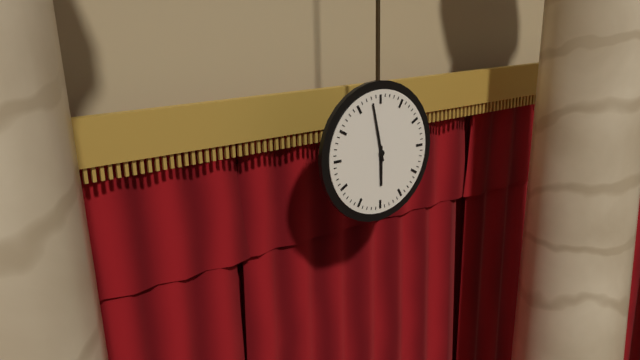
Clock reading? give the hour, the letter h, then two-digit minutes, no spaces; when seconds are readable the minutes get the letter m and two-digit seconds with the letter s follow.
5h58
